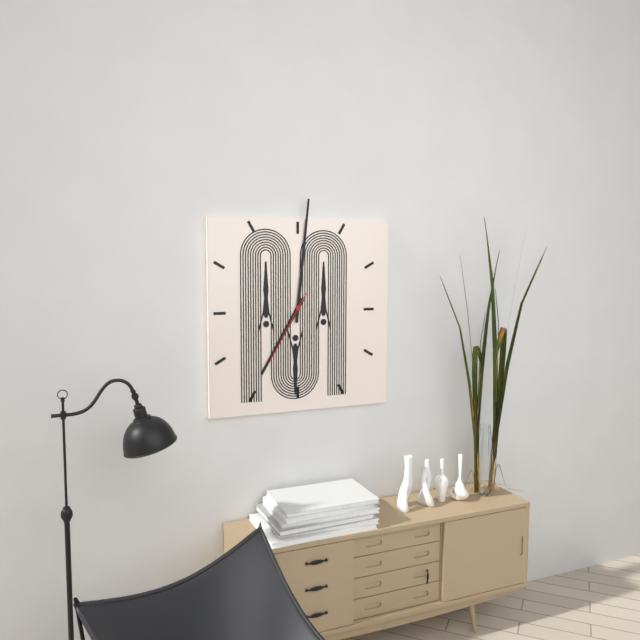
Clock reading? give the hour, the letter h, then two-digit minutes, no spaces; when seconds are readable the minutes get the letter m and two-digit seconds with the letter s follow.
7h01m35s
